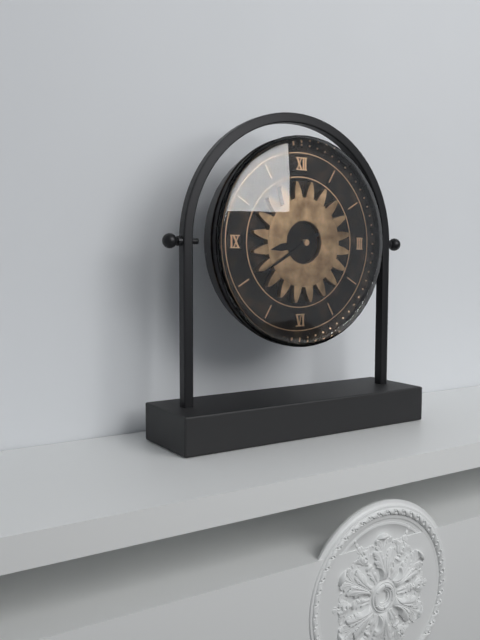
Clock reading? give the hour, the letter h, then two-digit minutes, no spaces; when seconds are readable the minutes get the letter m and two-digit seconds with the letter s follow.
8h40
